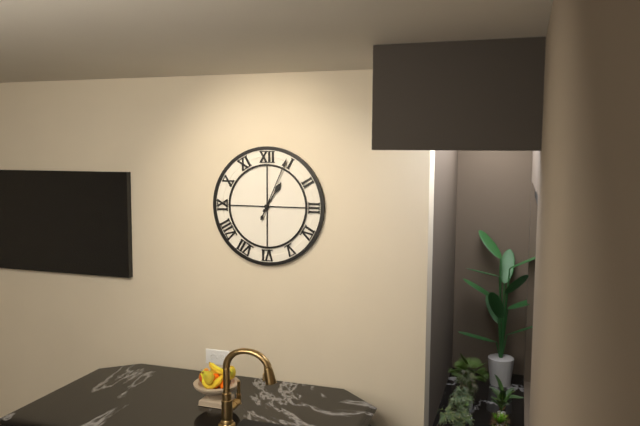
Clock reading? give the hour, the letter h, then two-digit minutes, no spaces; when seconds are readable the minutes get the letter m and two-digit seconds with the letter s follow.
1h04
